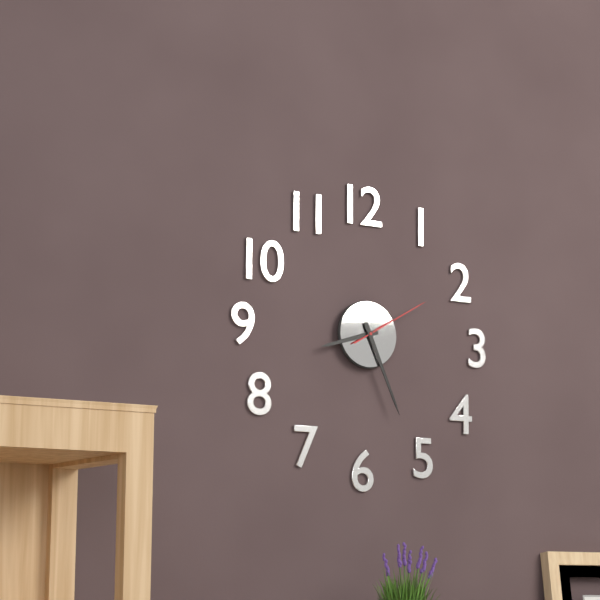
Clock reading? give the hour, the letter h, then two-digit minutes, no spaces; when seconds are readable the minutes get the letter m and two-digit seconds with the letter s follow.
8h26m10s
